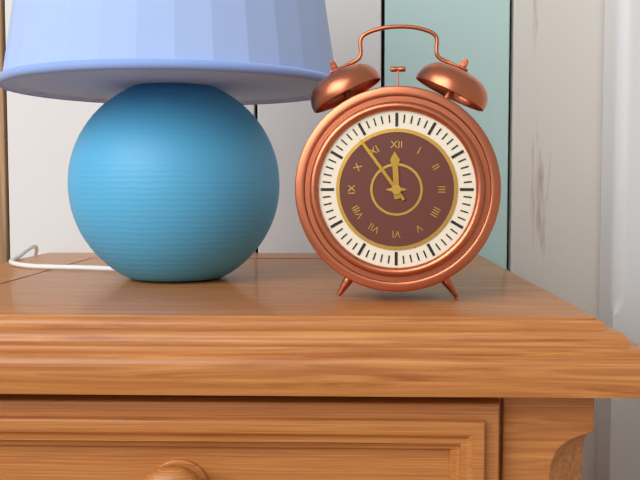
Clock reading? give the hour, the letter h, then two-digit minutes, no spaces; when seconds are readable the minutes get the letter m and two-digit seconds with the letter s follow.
11h54
